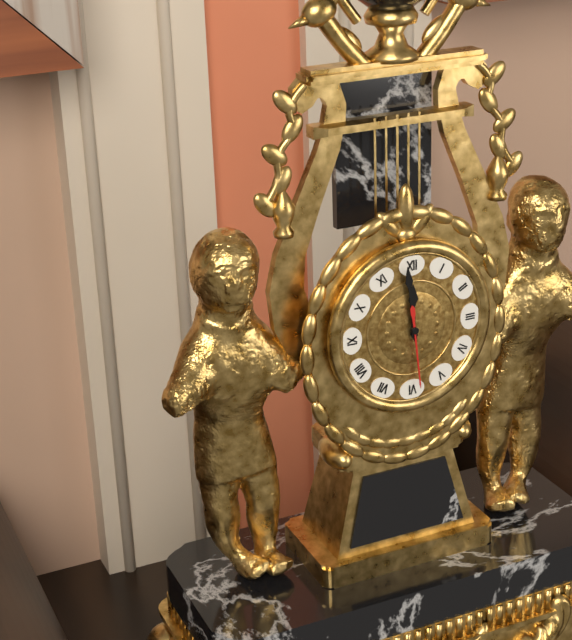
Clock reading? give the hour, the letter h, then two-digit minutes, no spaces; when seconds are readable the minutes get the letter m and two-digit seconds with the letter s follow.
11h59m29s
